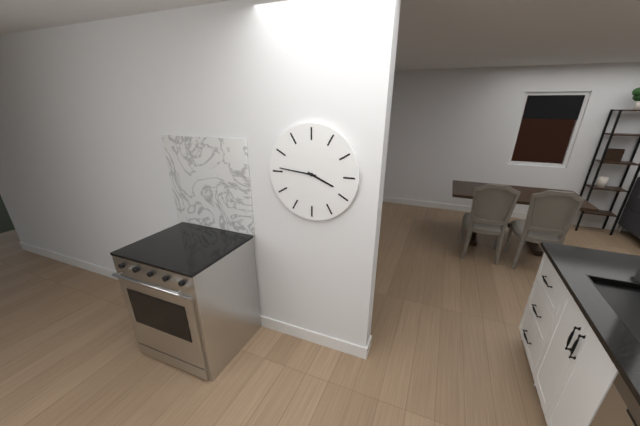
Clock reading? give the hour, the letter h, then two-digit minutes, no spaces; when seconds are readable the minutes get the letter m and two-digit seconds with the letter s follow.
3h46
